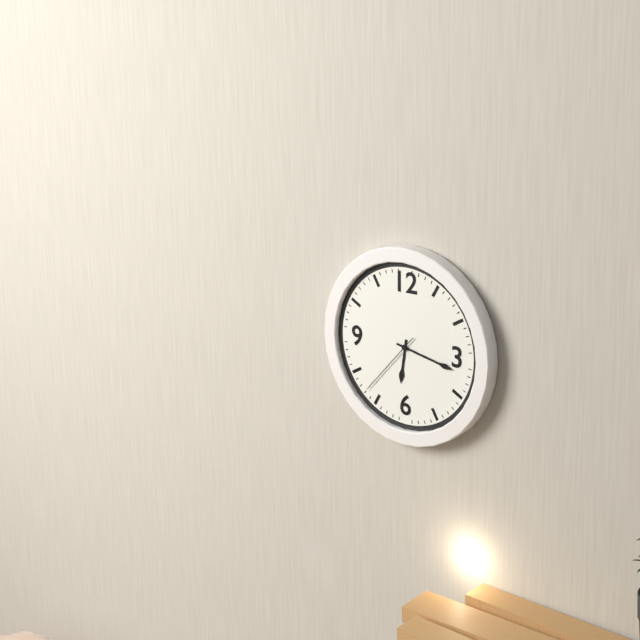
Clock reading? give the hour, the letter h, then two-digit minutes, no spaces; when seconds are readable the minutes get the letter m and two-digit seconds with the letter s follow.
6h17m37s
